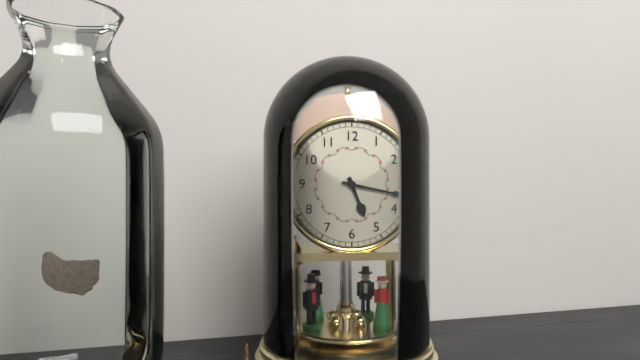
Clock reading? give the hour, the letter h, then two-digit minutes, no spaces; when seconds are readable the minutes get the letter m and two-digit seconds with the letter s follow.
5h17
